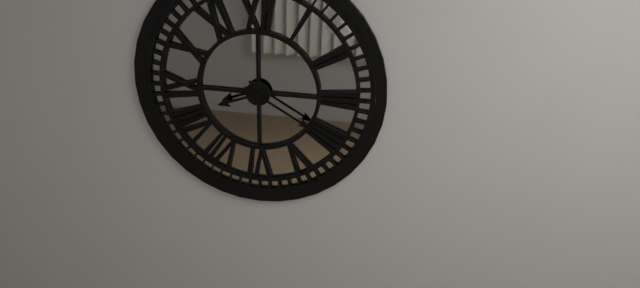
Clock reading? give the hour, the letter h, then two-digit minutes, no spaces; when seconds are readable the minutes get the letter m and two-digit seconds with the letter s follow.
8h20
